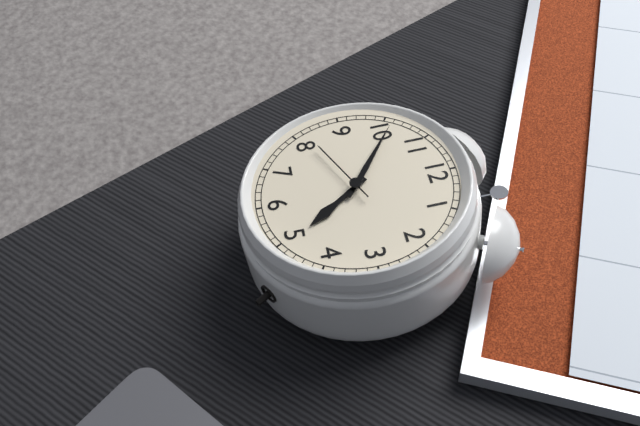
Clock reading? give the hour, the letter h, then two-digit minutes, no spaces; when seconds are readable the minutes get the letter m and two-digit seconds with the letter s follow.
4h51m41s
